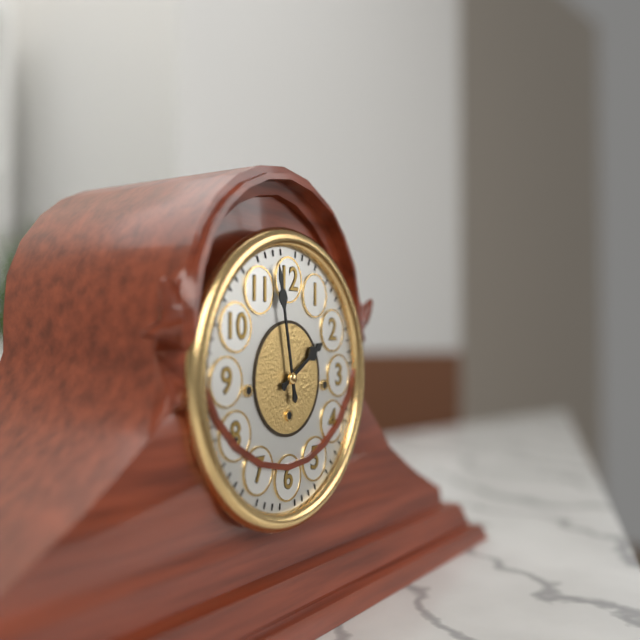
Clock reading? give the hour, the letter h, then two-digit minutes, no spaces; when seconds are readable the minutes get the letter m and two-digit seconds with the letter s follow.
1h58
